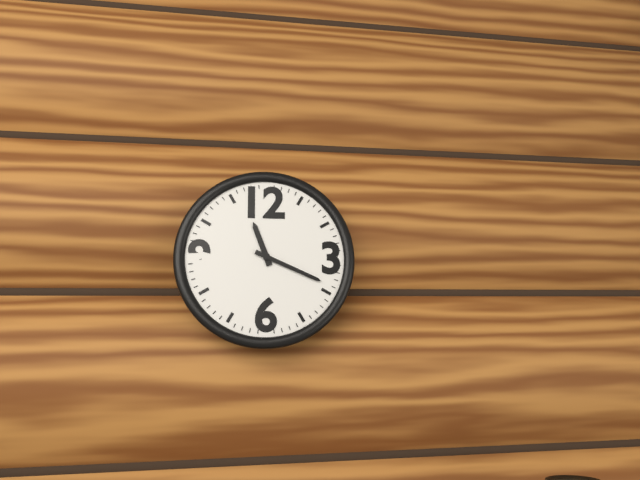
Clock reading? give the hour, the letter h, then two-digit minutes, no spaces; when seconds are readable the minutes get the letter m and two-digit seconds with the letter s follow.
11h19
